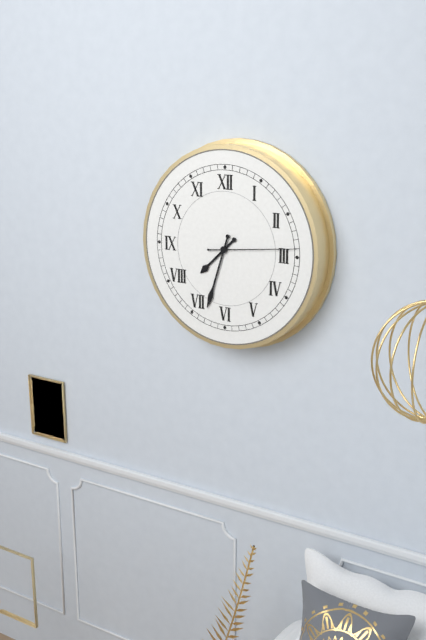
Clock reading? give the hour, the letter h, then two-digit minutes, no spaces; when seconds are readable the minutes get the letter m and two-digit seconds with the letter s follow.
7h33m14s
